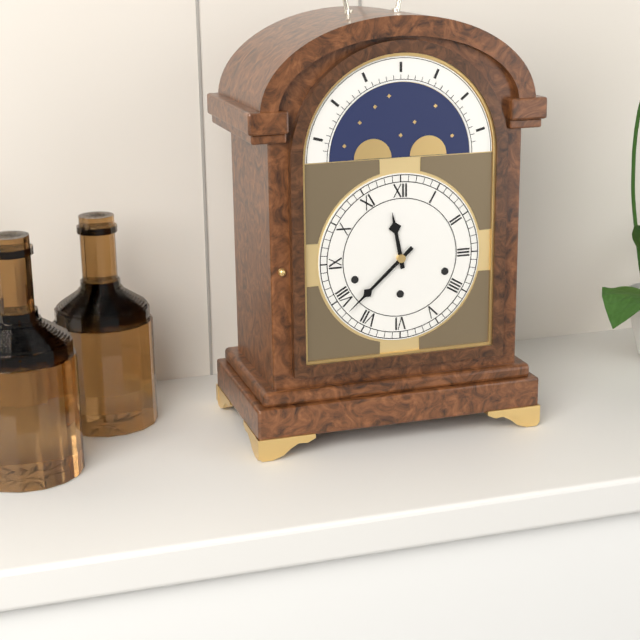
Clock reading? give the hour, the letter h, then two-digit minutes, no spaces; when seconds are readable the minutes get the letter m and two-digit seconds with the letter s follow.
11h38
